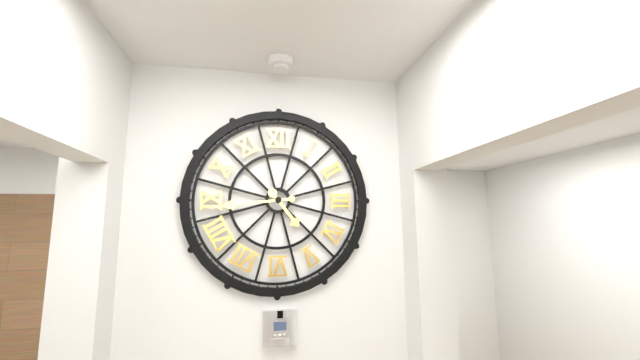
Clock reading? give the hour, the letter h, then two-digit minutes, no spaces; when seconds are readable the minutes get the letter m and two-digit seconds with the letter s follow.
4h44
